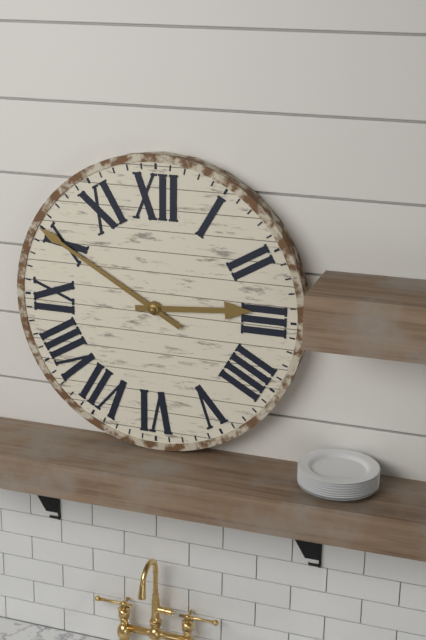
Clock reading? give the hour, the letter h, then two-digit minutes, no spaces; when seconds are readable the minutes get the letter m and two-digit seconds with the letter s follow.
2h50
